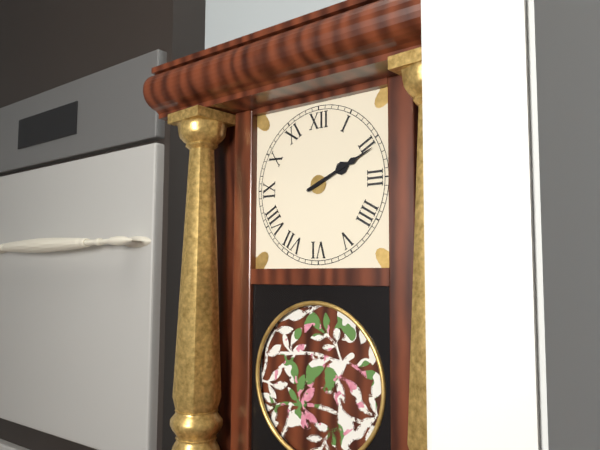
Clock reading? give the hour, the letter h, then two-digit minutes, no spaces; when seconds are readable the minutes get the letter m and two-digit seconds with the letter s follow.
2h11
